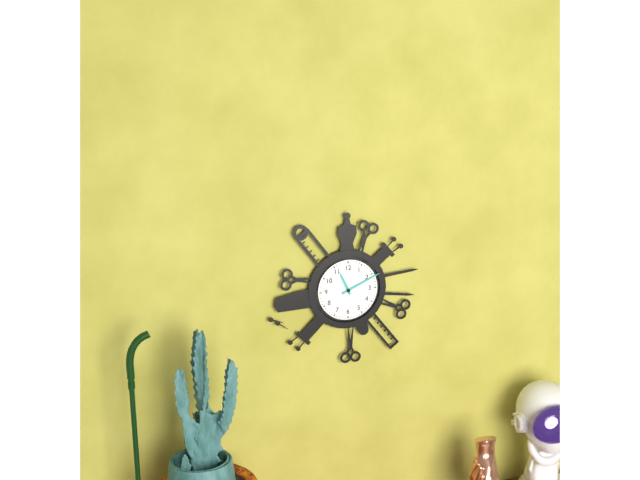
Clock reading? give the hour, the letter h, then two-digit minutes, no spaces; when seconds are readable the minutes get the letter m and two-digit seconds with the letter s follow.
11h11
